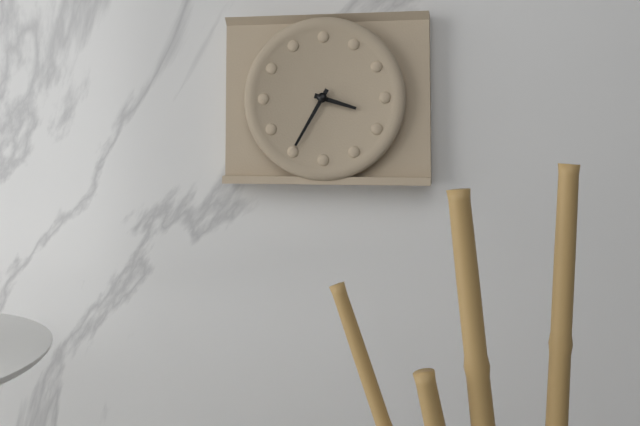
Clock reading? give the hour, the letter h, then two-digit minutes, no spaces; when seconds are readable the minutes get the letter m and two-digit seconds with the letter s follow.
3h35
